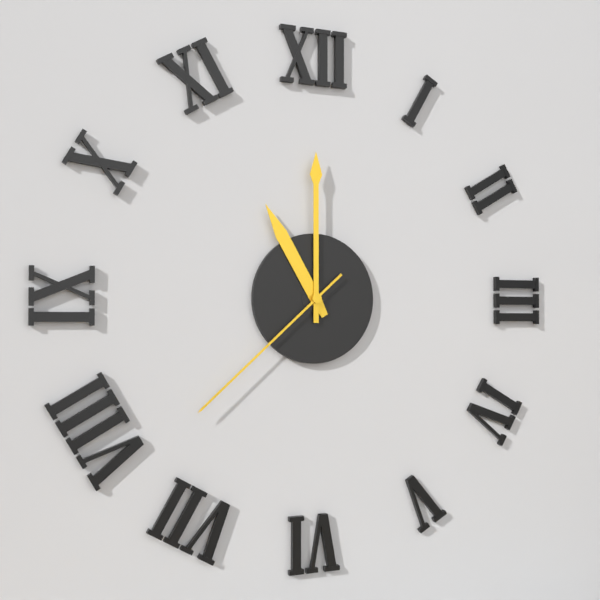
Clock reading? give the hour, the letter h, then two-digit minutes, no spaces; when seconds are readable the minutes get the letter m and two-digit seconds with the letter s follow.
11h00m38s
